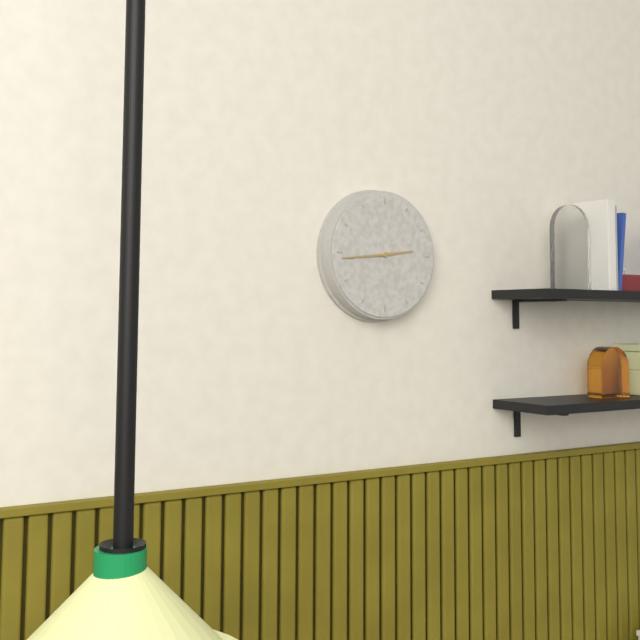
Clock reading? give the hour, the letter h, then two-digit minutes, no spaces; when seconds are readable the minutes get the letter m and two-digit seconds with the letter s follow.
2h44
